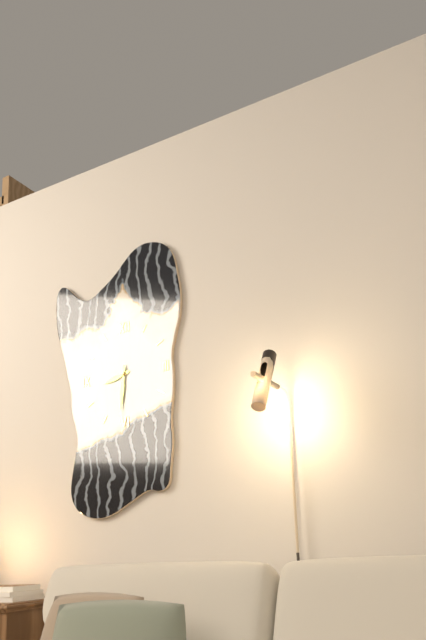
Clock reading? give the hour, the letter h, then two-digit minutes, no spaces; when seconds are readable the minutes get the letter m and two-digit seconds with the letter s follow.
8h31
